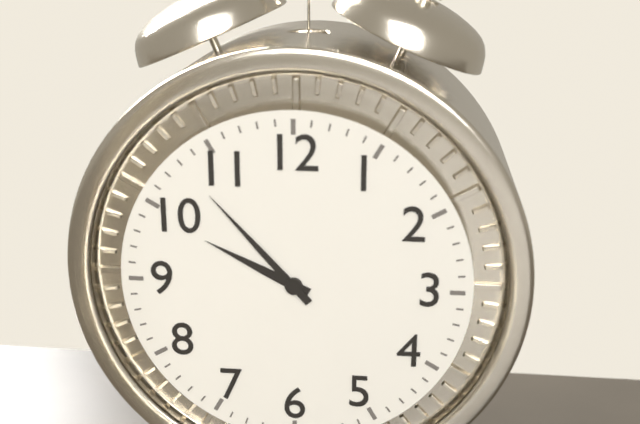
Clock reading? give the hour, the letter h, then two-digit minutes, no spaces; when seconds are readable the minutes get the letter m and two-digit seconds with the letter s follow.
9h53
